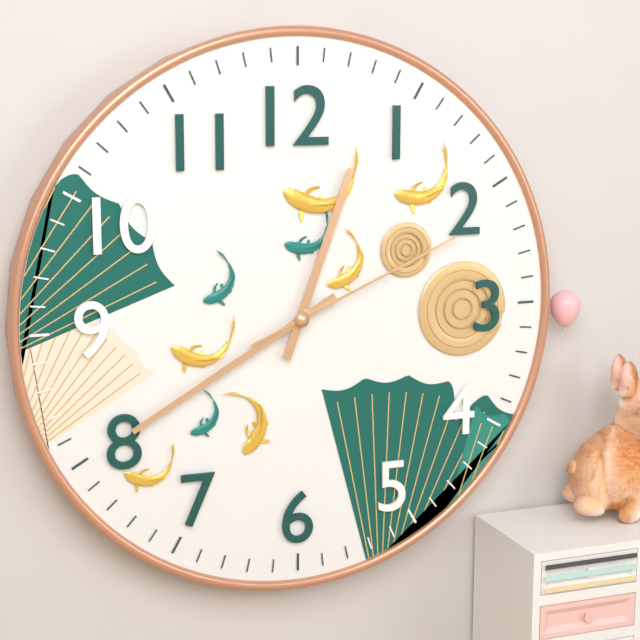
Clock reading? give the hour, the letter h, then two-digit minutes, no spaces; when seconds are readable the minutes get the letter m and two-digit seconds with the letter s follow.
12h40m11s
